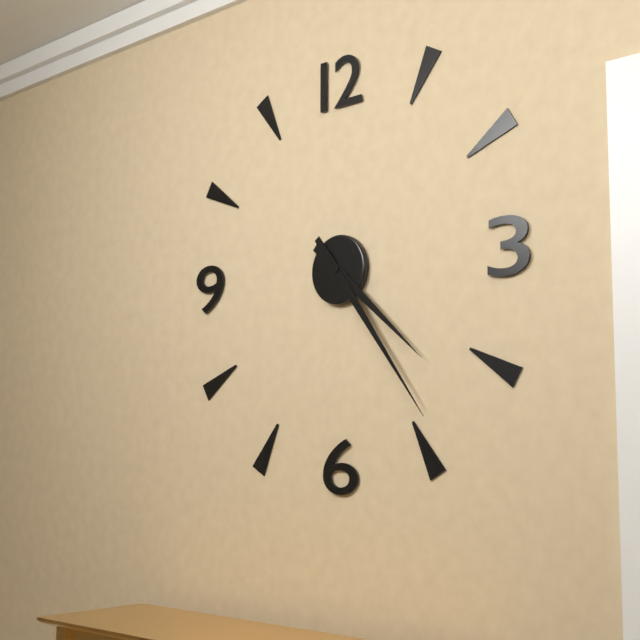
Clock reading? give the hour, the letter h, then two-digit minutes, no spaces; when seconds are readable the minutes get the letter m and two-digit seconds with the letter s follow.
4h24
